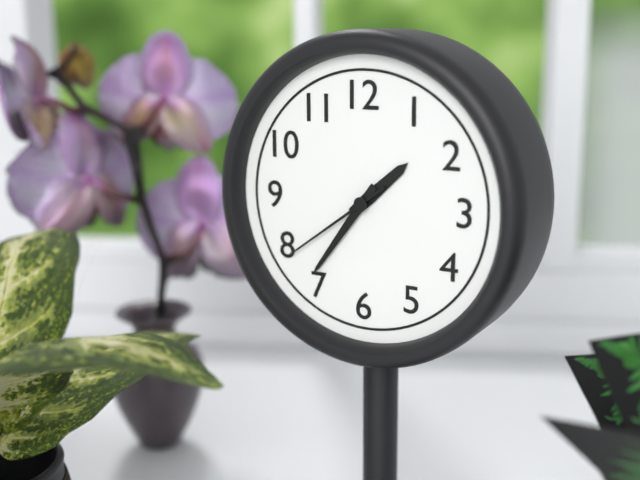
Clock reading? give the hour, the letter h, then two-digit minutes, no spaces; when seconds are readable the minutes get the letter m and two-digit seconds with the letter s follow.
1h36m39s
